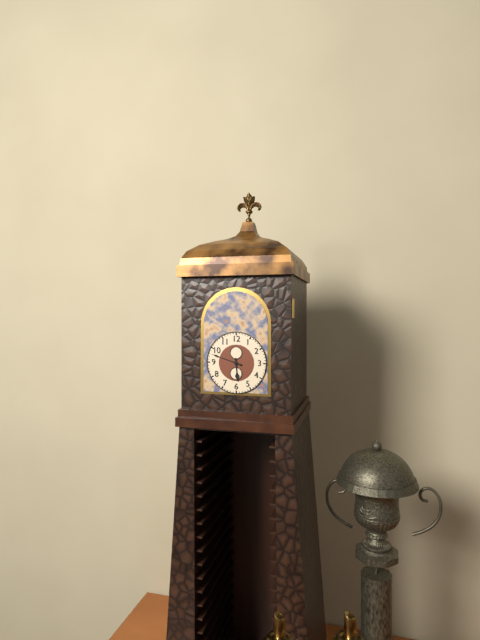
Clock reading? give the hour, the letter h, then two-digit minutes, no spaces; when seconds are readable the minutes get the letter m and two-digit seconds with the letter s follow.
5h48
